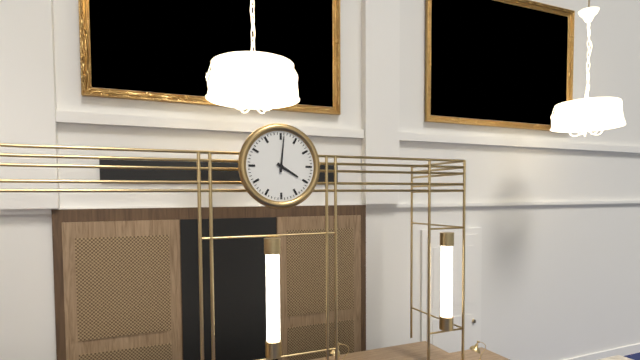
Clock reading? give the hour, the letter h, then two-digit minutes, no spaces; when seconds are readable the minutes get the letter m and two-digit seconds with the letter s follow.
4h01
